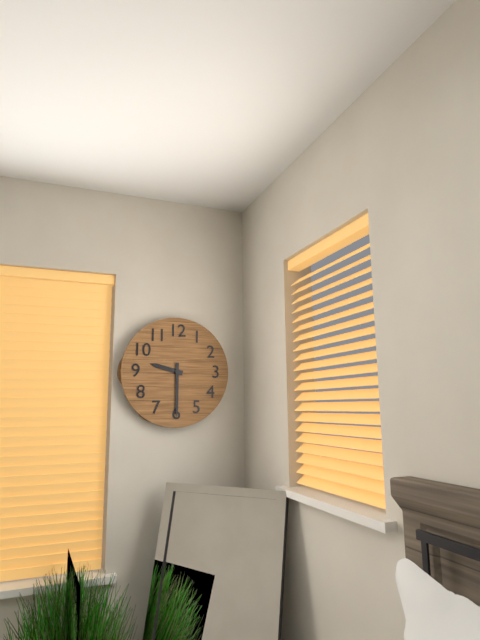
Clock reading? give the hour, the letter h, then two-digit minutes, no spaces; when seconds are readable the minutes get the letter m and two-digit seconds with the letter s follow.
9h30
